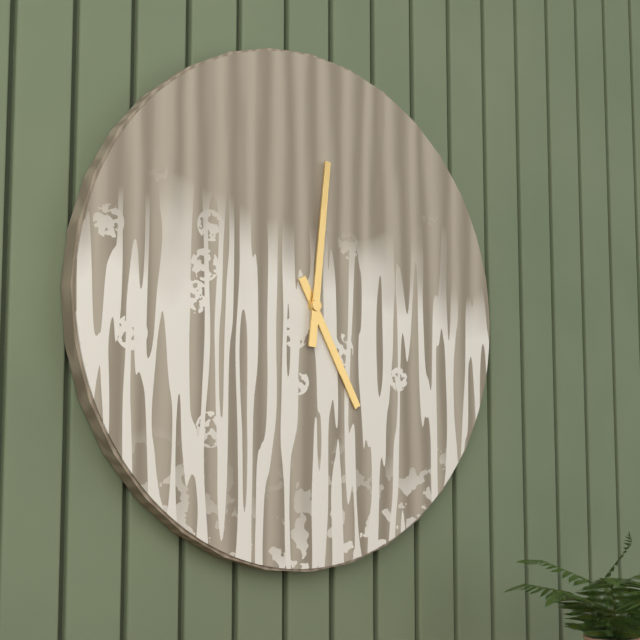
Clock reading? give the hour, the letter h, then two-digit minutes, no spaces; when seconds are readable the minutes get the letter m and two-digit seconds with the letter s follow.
5h01
